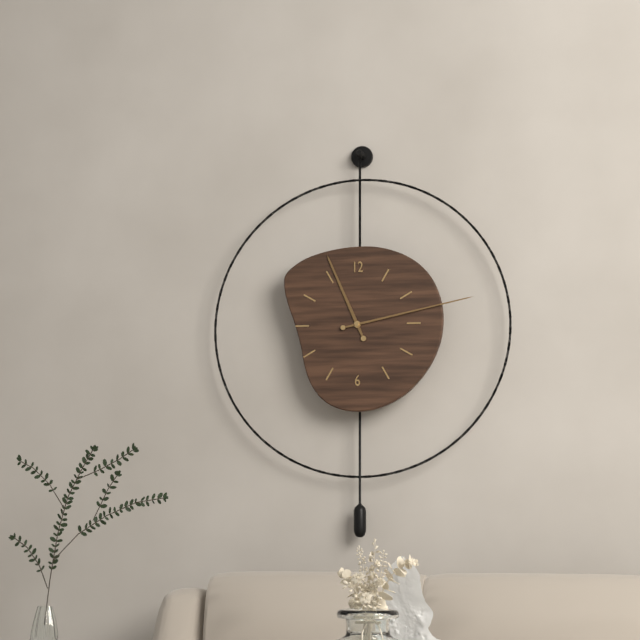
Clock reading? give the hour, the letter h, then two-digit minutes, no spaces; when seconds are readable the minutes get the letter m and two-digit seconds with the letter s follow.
11h13
